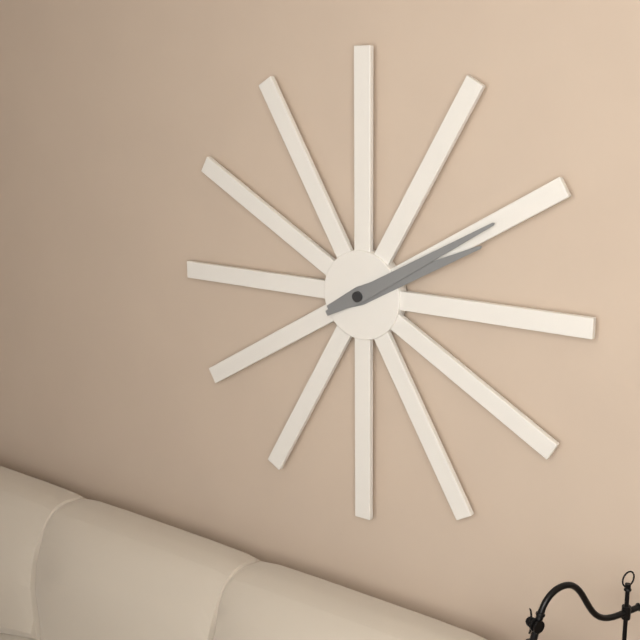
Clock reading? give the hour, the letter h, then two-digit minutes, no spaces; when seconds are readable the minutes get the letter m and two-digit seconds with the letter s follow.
2h10
